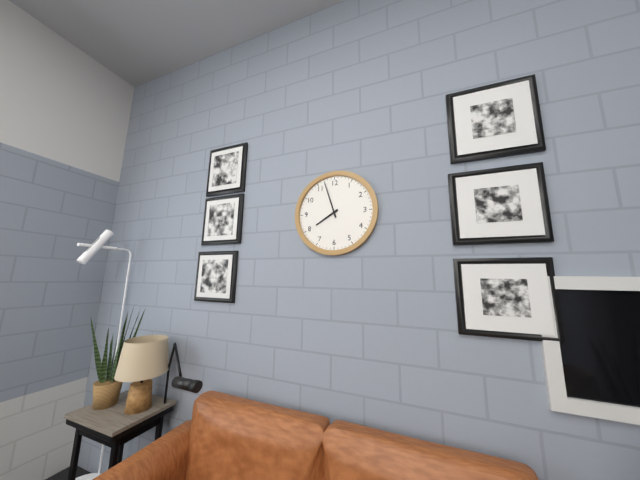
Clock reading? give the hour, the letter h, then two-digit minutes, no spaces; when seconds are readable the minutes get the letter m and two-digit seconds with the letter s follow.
7h57
